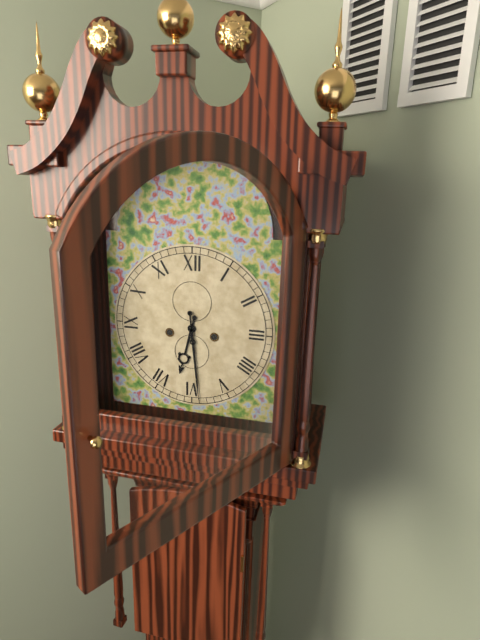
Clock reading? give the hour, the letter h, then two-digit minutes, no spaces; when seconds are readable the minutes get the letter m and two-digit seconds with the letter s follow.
6h29
